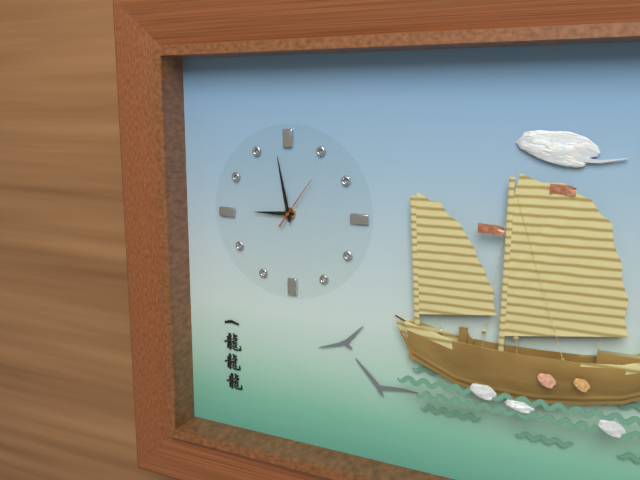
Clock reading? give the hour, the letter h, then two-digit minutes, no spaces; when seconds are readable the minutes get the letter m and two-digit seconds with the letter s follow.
8h58m06s
